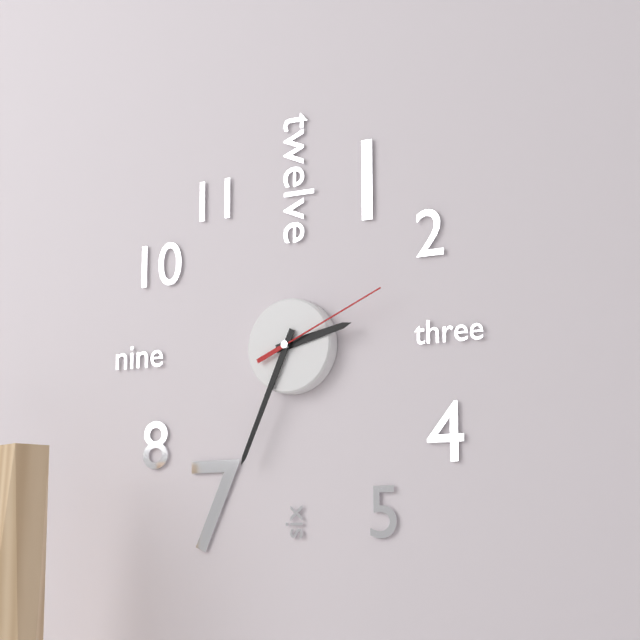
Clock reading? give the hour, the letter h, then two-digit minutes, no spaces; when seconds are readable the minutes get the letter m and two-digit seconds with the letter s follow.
2h34m11s
